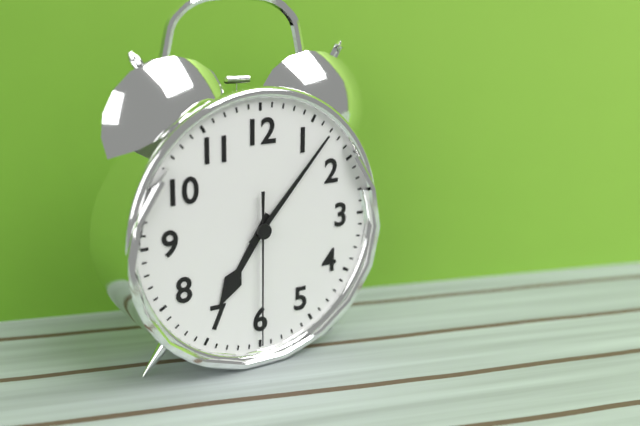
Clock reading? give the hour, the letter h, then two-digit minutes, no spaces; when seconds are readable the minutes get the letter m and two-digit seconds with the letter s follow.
7h07m30s
